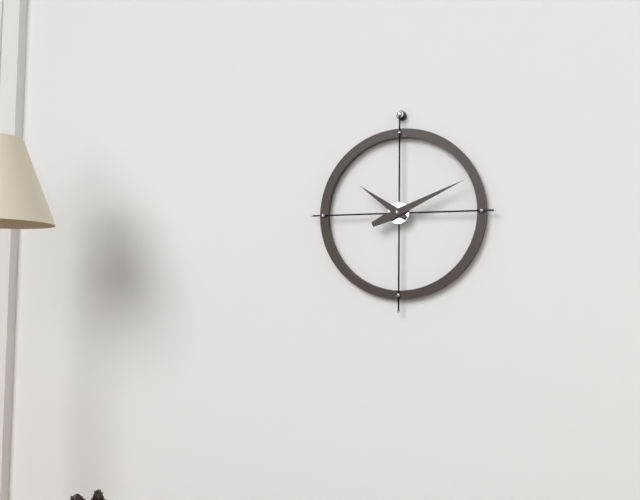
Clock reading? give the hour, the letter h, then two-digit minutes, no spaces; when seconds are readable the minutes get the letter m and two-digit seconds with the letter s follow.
10h11
